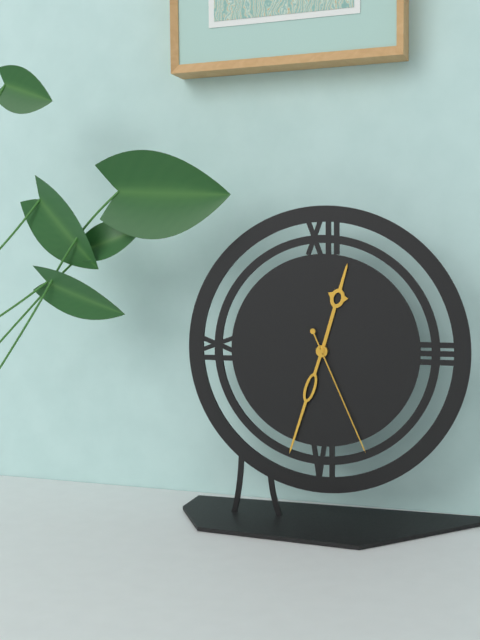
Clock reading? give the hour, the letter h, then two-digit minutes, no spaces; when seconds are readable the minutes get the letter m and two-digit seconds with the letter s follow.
12h33m26s
